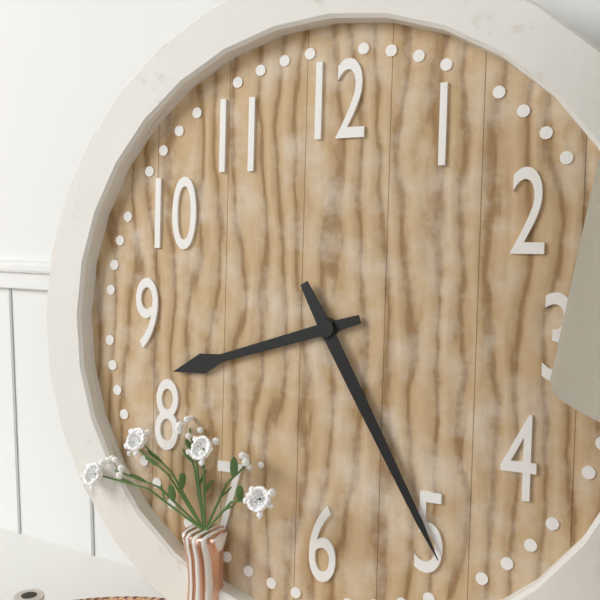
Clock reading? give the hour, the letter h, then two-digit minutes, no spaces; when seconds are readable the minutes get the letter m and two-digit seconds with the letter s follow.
8h25
